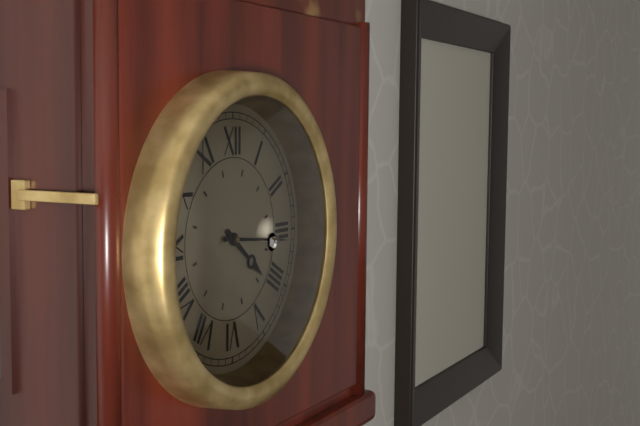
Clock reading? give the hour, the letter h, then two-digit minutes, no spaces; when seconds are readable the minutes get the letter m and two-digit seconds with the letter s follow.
4h16
